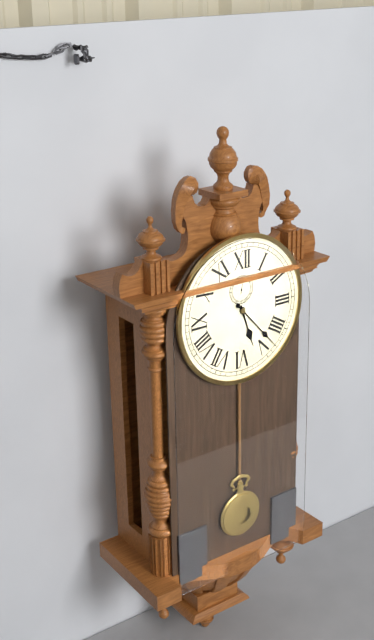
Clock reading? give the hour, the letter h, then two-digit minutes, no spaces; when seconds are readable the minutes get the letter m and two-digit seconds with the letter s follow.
5h23
